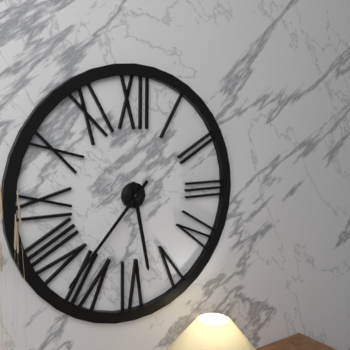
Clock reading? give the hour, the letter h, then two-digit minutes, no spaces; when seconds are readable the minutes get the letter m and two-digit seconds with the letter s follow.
5h37
